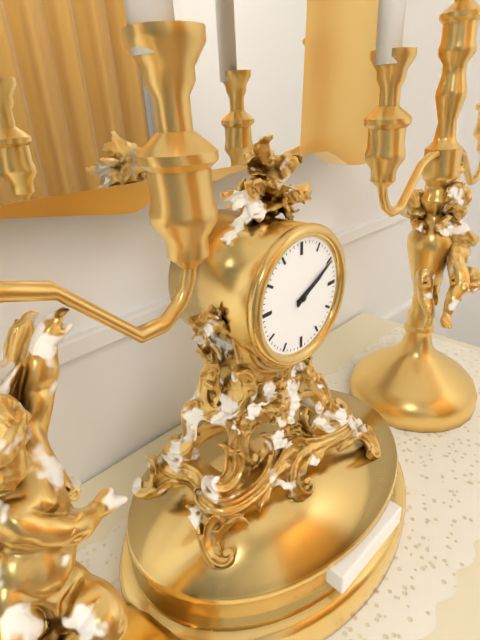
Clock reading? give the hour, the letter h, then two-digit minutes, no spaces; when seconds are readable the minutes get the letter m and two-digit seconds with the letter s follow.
2h10
